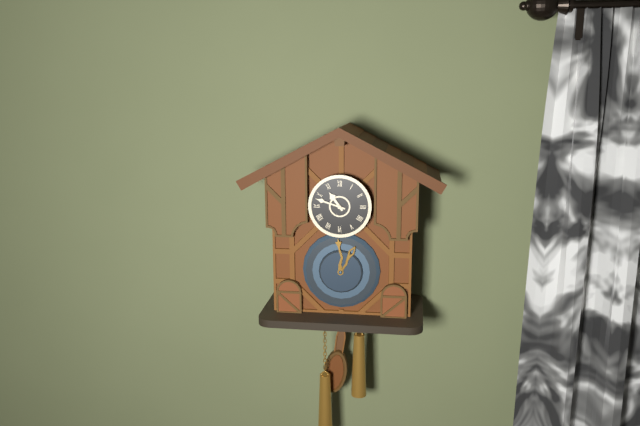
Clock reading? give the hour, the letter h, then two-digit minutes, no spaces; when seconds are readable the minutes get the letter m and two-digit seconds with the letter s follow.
10h48
